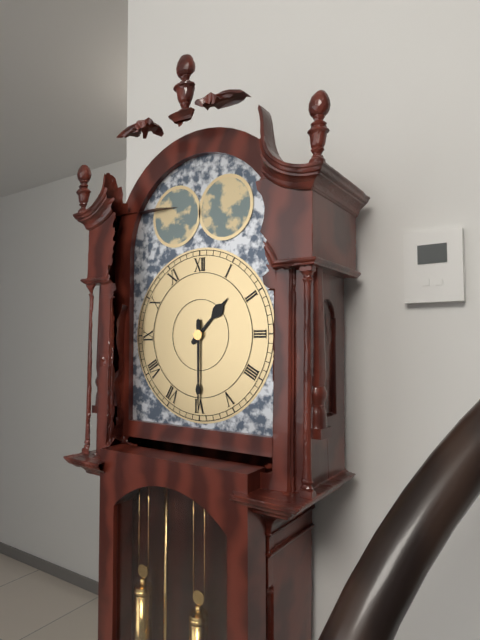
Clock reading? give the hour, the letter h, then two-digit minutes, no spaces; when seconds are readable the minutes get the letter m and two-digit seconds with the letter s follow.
1h30
